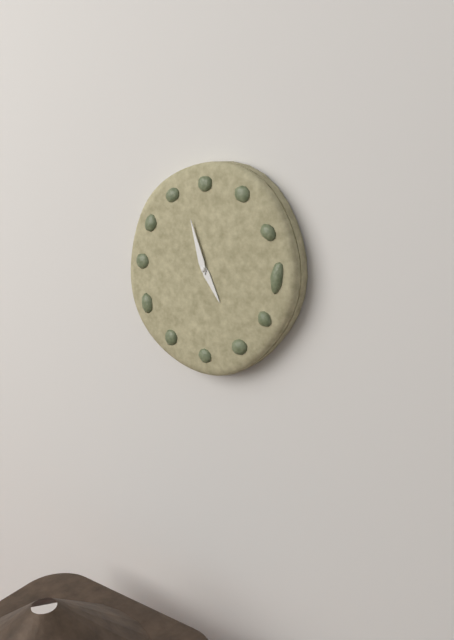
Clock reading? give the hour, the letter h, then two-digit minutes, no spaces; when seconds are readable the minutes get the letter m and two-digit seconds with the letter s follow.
4h57
